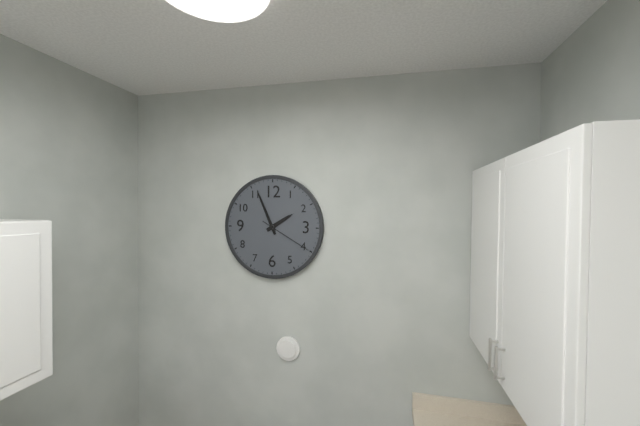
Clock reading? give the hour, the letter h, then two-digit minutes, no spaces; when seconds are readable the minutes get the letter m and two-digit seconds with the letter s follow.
1h56m20s
